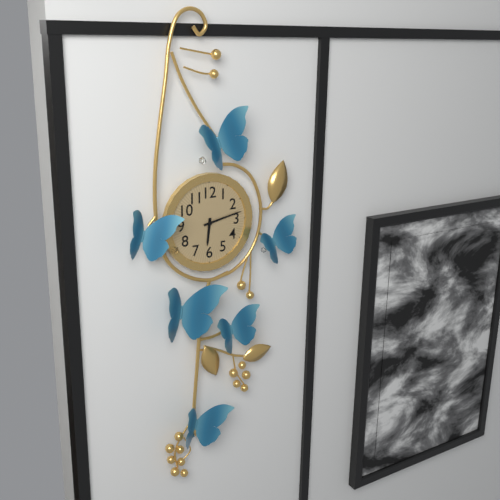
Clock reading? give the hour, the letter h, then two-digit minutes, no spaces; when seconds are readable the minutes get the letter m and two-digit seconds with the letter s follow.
6h13
